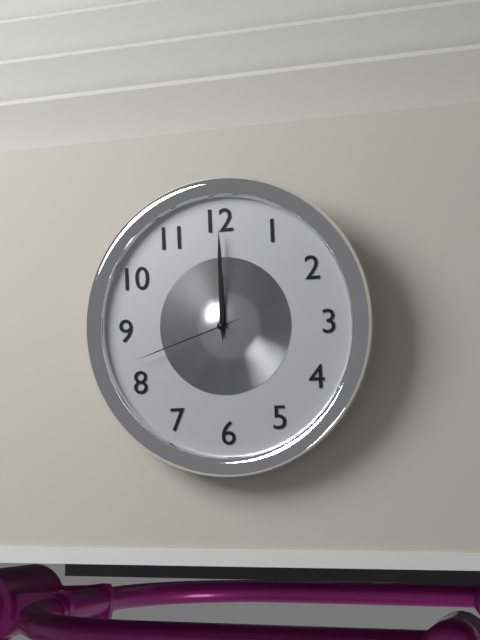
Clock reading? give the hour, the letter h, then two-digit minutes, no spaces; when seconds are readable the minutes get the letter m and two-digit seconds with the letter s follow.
12h00m42s
